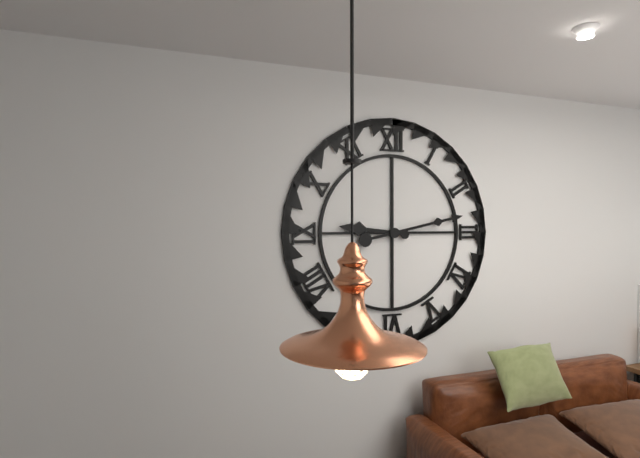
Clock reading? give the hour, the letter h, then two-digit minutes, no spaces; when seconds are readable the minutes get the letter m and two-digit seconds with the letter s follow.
9h13
